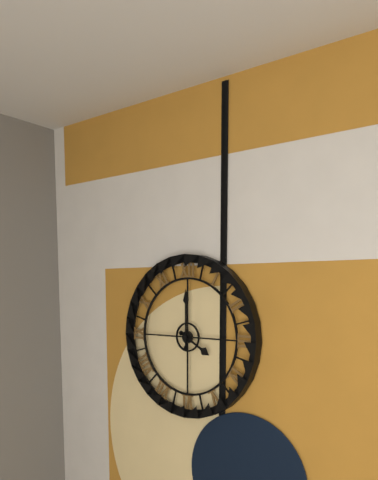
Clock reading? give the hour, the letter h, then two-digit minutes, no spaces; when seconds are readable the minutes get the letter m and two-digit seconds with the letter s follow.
4h00
